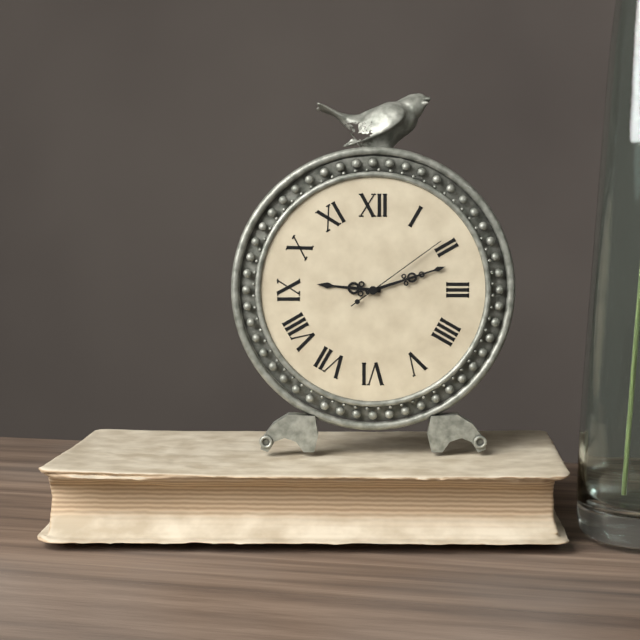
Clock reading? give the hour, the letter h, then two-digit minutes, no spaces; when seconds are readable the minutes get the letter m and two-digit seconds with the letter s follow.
9h12m09s
